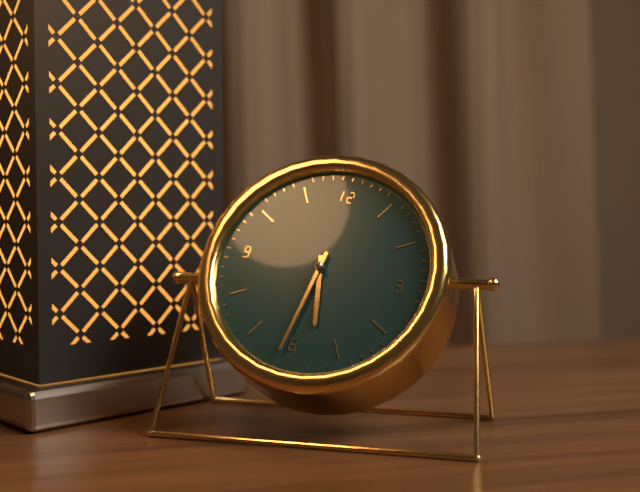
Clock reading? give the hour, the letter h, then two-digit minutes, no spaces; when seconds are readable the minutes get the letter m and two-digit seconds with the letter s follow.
5h31
